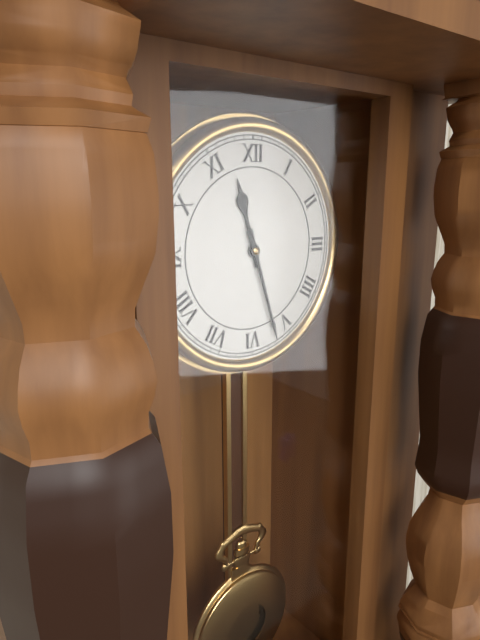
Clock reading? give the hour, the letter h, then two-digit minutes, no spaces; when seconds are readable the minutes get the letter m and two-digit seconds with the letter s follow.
11h27
